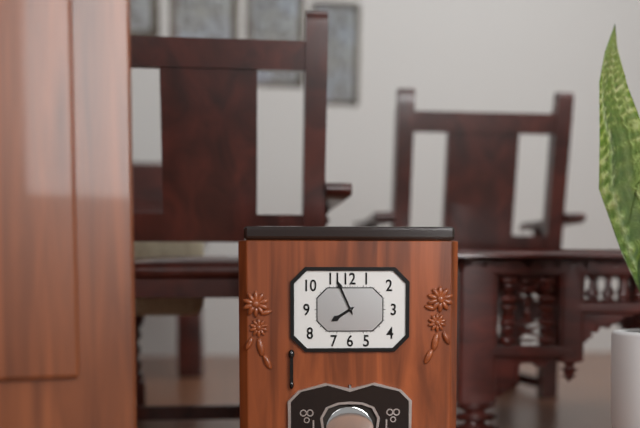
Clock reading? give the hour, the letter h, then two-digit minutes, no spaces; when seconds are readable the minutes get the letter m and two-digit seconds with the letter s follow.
7h56
